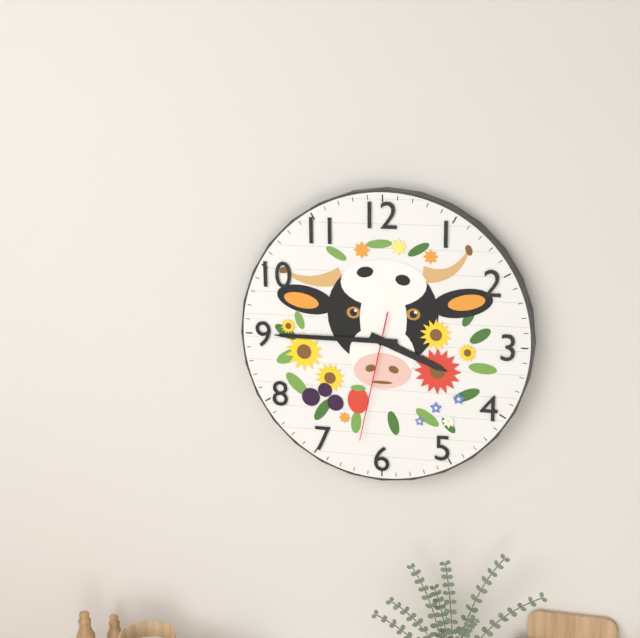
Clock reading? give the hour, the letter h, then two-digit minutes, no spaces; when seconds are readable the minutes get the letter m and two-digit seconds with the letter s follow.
3h45m32s
